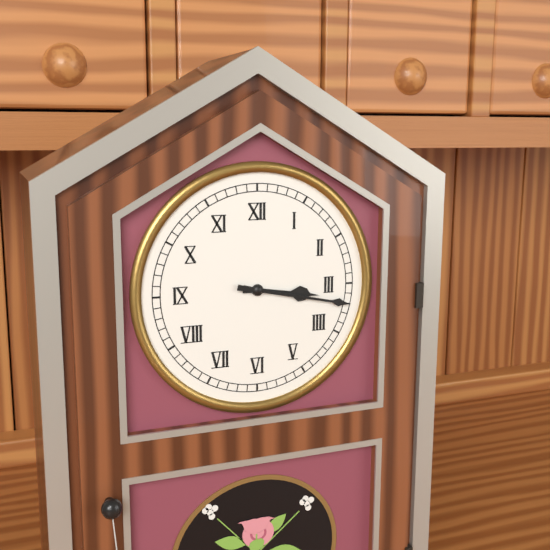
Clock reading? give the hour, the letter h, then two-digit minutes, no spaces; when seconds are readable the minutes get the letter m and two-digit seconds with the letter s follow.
3h17
